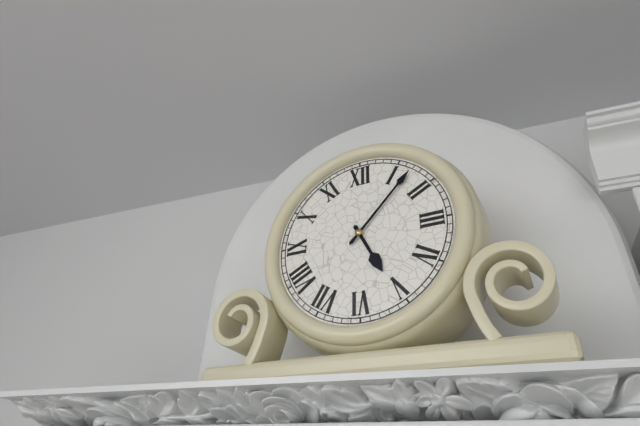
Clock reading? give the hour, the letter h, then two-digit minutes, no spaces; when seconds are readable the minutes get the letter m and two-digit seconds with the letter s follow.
5h07
